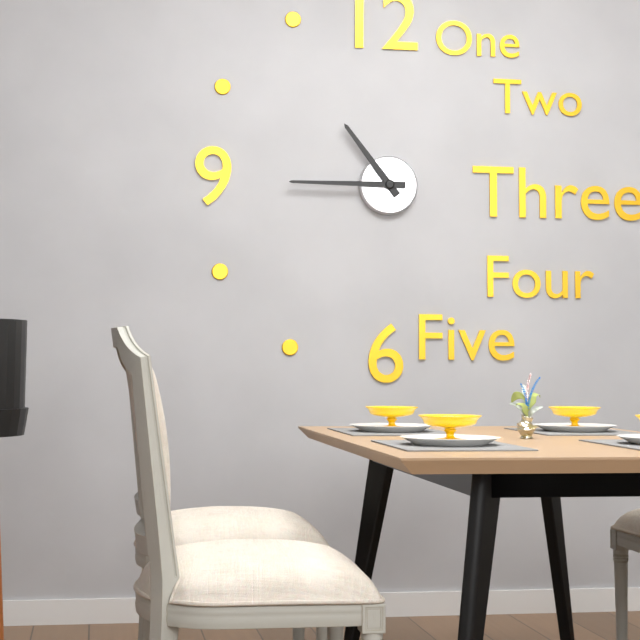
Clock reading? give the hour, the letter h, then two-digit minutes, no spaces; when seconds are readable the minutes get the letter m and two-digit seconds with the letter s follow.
10h45
